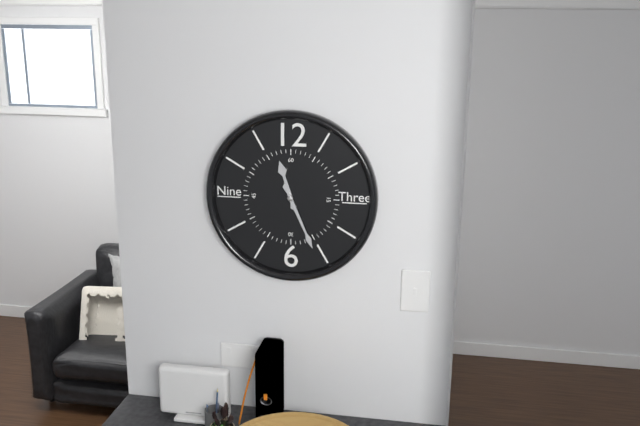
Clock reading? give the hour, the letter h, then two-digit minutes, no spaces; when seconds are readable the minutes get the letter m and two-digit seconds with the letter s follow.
11h26
